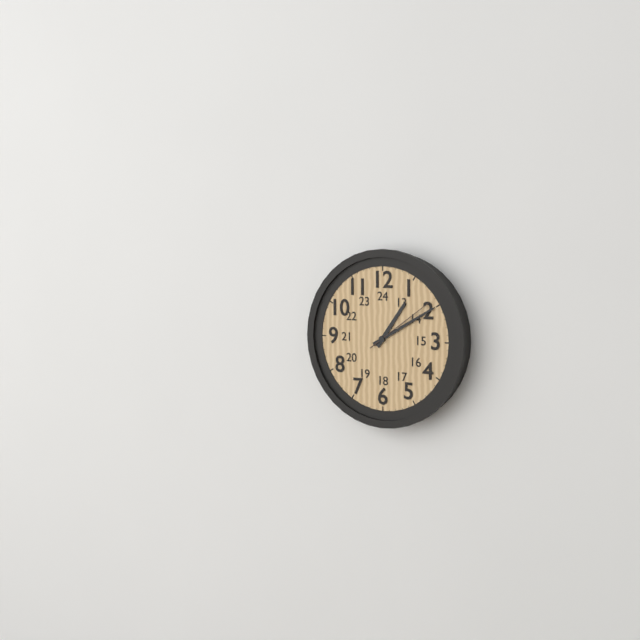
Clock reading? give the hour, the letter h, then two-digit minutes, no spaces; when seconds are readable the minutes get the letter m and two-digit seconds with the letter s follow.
1h10m09s
